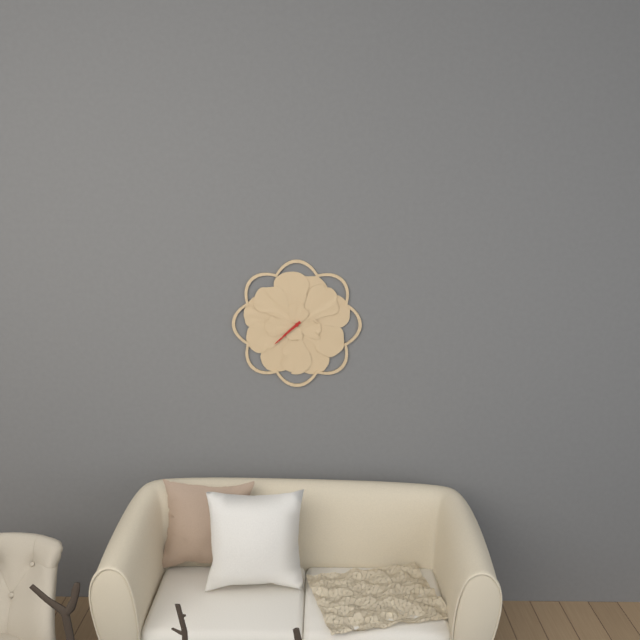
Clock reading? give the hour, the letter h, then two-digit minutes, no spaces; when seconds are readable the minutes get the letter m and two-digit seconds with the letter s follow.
7h38
